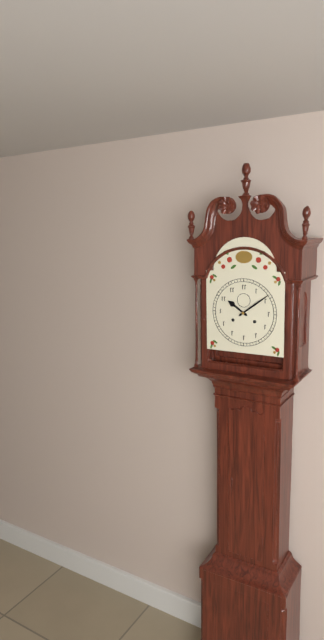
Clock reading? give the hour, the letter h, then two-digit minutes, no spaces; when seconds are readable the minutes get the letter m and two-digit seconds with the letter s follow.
10h09
